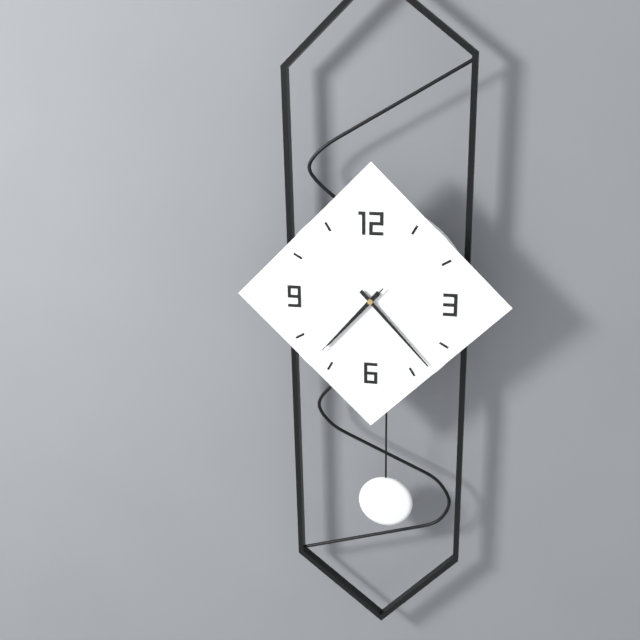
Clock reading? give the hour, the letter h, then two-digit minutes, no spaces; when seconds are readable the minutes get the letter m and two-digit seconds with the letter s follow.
7h23m37s
